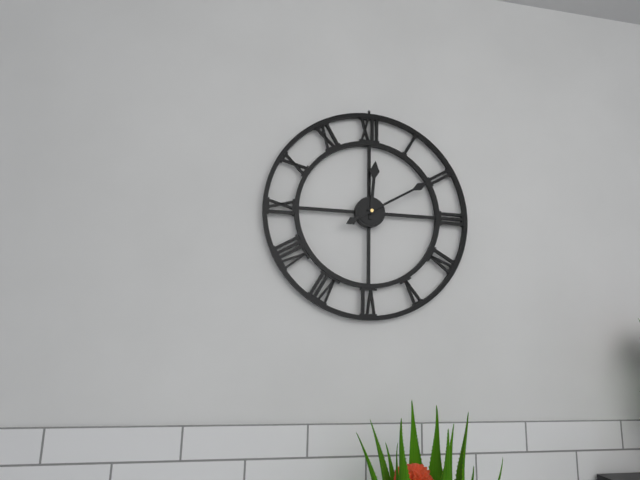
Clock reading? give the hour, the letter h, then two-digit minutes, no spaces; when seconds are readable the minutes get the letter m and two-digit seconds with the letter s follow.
12h10
